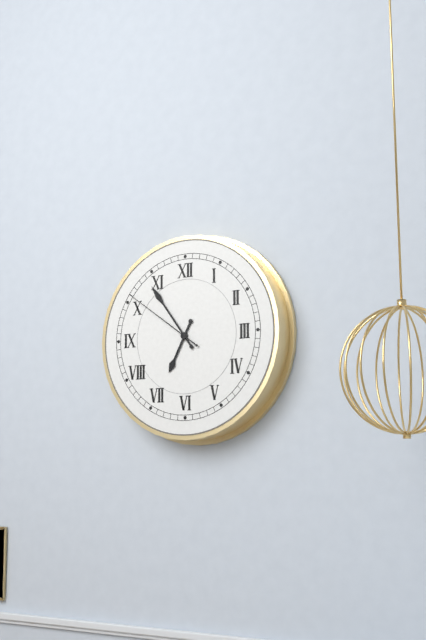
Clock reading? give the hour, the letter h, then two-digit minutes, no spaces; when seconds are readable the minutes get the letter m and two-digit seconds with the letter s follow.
6h54m51s
